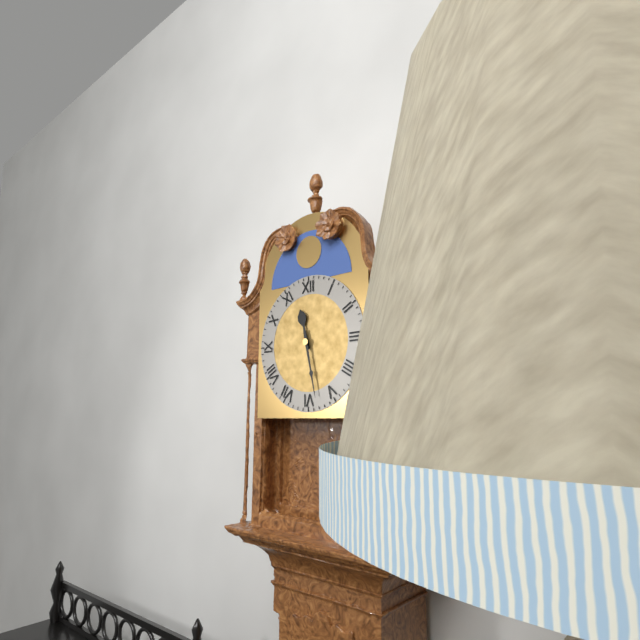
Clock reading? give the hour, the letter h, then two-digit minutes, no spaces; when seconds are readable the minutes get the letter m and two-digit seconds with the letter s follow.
11h28
